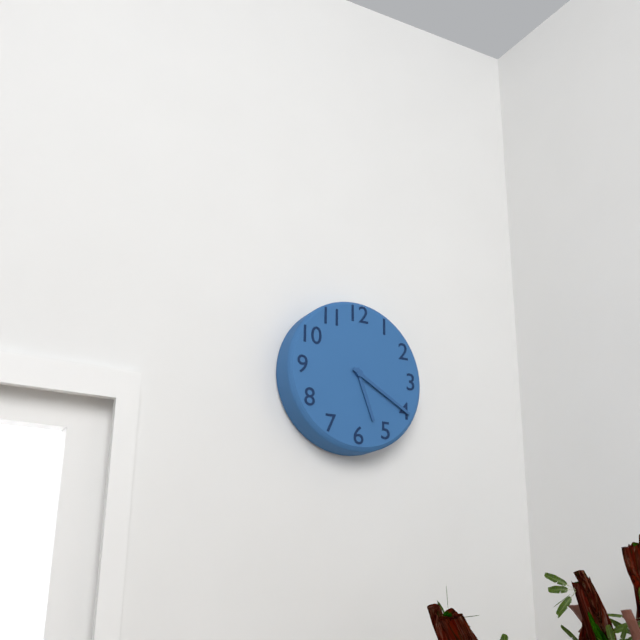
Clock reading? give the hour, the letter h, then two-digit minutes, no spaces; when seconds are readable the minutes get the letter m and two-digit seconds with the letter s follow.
5h20
